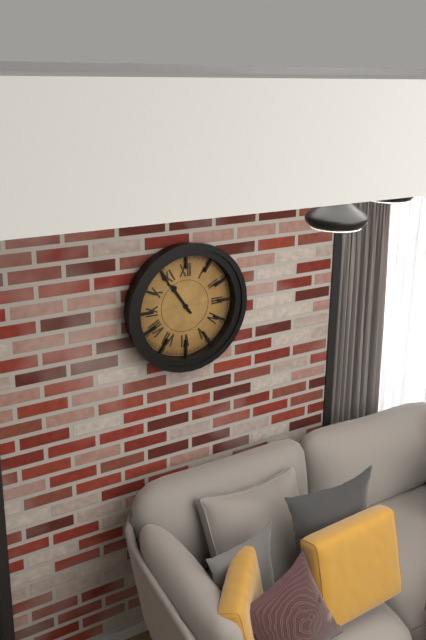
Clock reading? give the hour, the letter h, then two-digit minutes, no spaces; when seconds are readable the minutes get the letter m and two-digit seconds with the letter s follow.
10h54
